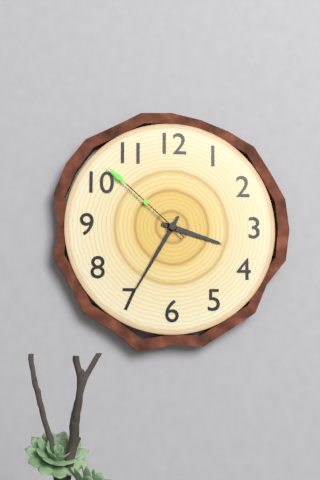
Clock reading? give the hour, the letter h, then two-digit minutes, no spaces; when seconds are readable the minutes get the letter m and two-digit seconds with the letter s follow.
3h35m52s
